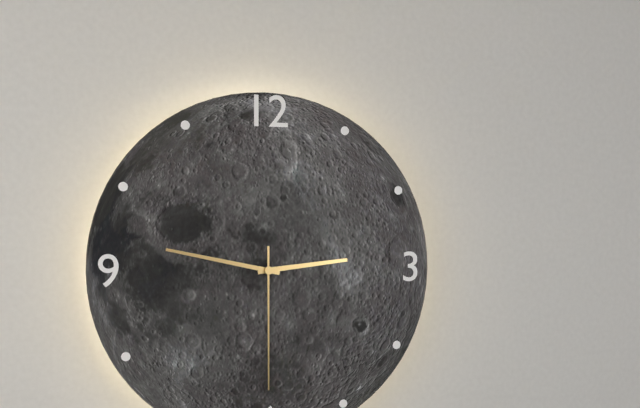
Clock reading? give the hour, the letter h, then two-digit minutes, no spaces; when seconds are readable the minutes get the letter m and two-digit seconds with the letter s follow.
2h47m30s
